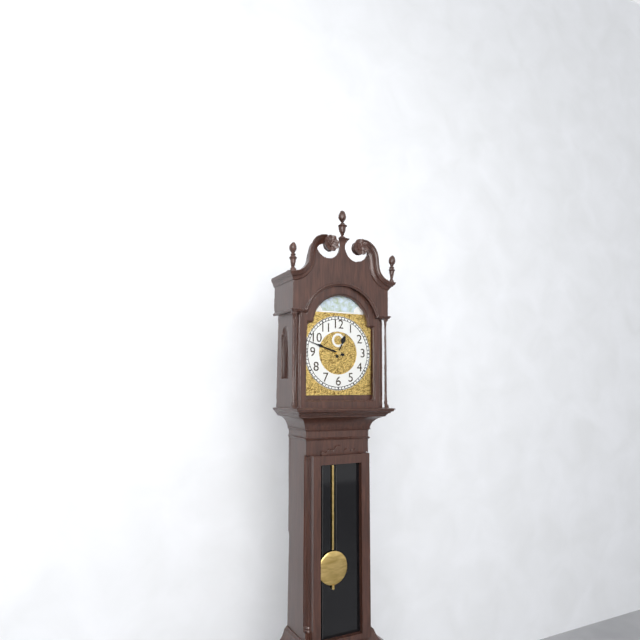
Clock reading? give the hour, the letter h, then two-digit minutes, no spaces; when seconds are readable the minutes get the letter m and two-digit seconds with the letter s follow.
12h48
